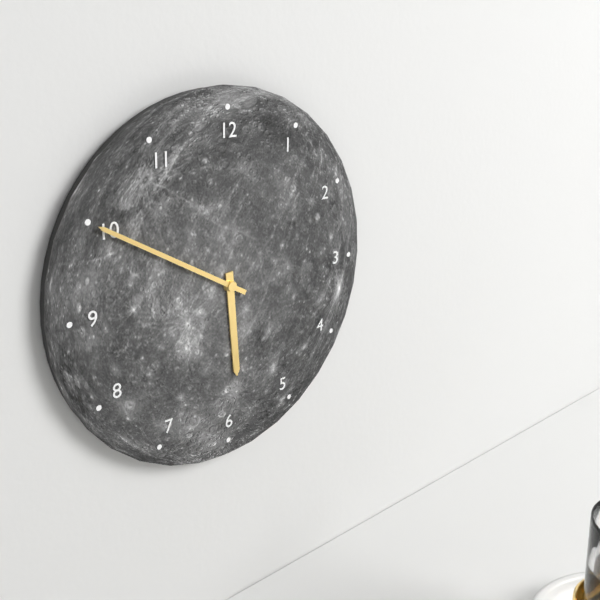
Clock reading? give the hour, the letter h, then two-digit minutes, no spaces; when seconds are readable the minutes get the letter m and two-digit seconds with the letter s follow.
5h50
